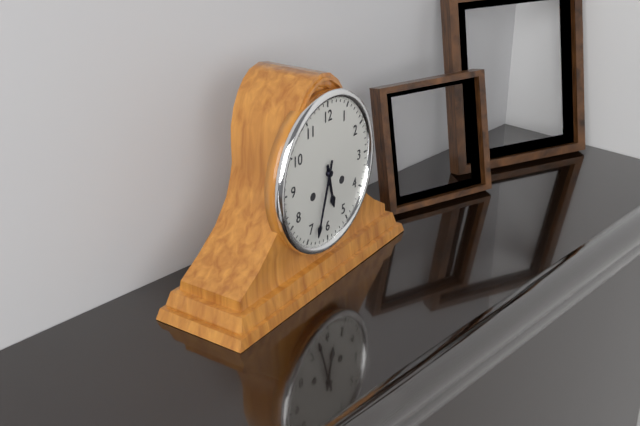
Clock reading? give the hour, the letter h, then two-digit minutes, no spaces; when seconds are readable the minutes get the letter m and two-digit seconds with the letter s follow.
5h33
